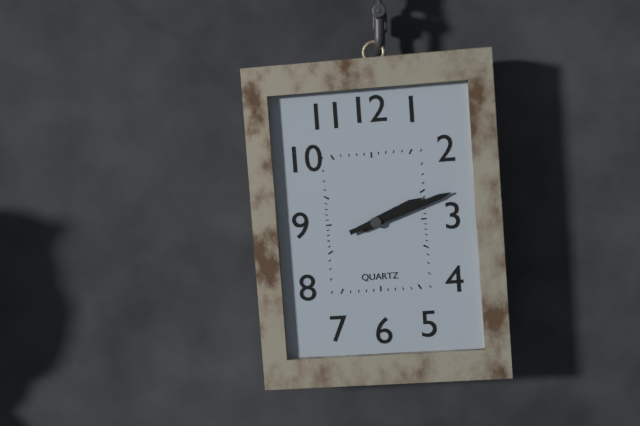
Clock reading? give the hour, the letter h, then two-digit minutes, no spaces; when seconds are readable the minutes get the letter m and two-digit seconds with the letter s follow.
2h12m12s
